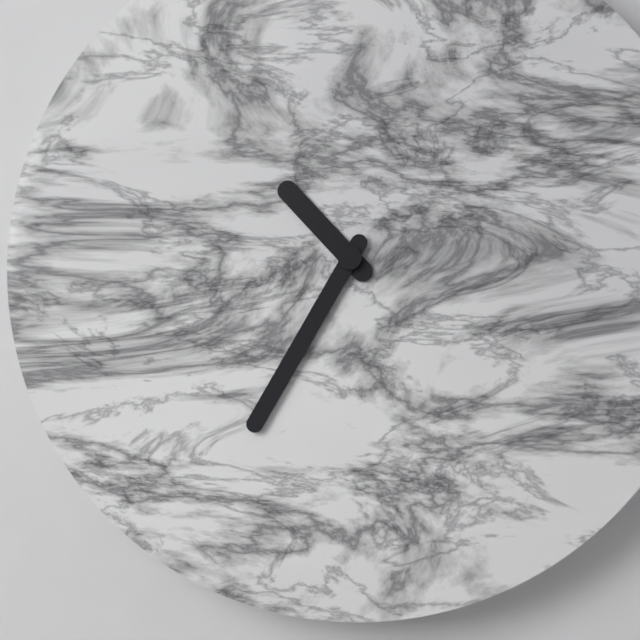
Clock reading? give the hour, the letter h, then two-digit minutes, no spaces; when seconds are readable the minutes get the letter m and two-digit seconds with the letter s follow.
10h35
